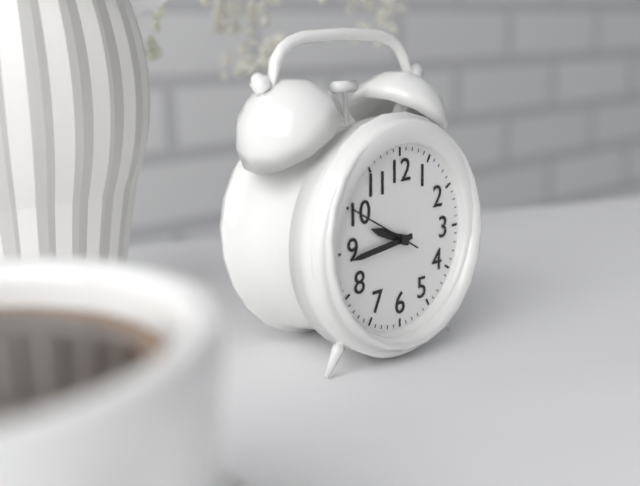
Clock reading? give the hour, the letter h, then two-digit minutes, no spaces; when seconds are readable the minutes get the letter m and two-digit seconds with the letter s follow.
9h44m50s
